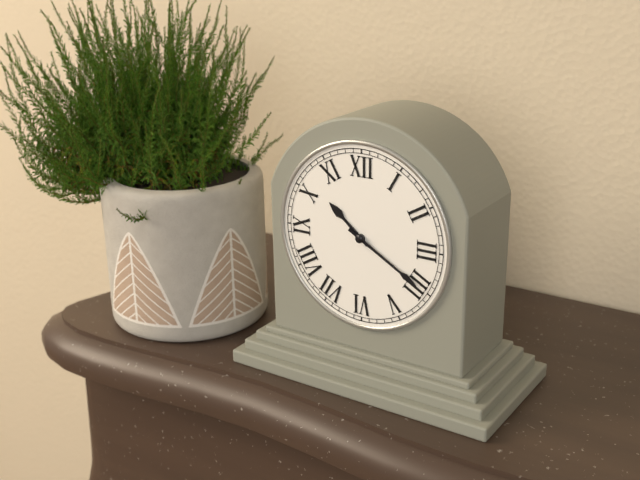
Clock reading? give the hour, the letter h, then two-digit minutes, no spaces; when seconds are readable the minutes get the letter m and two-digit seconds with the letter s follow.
10h20
